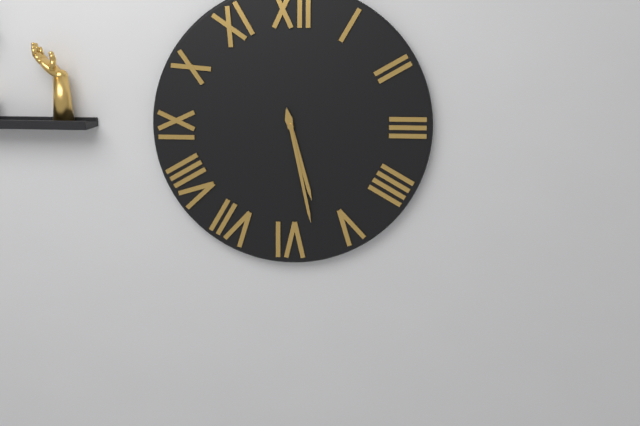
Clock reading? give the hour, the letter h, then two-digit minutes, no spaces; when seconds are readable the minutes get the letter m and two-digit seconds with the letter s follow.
5h28
